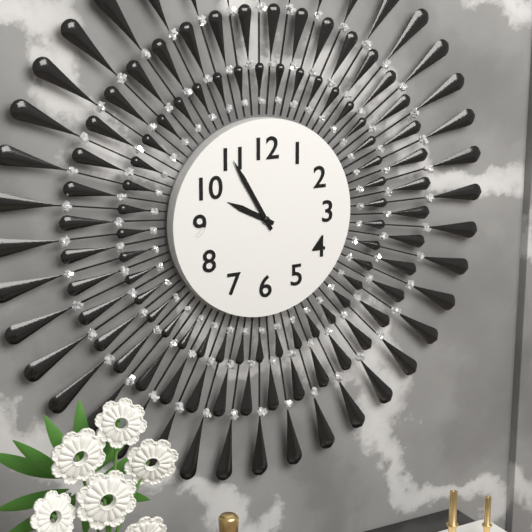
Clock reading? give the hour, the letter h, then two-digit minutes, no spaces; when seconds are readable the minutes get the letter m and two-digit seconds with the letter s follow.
9h55
